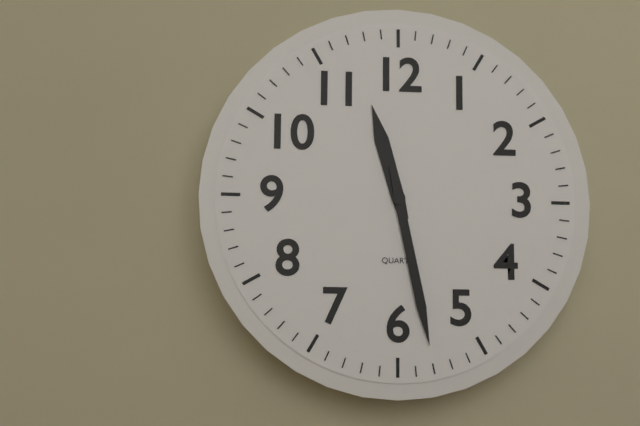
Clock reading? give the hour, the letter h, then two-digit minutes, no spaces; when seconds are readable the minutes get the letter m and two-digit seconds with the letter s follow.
11h28
